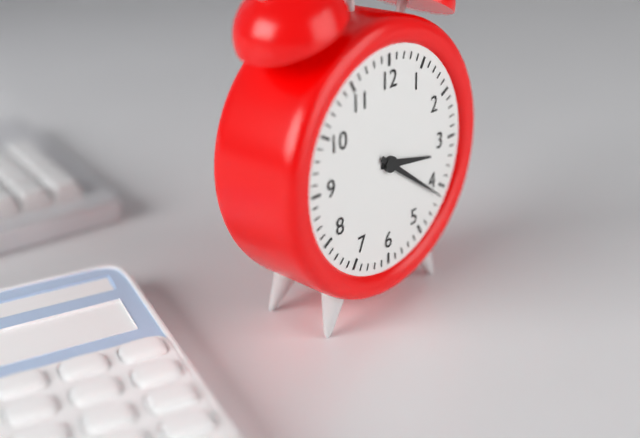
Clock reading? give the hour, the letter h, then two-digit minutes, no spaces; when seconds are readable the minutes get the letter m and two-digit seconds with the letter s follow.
3h21
